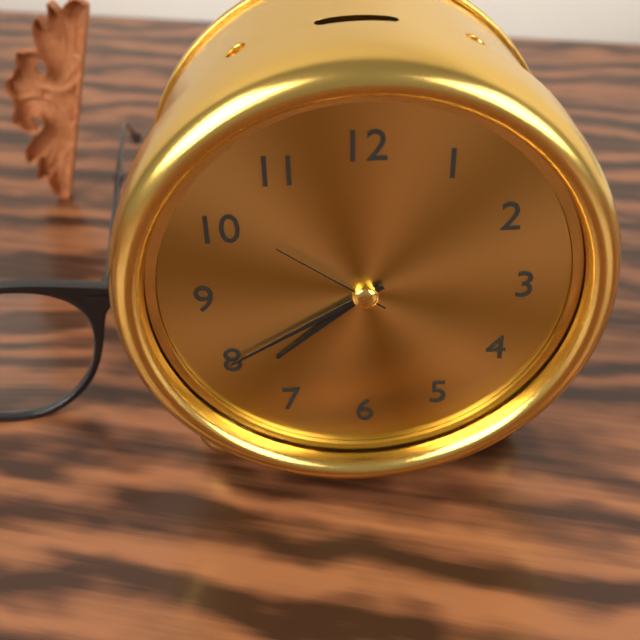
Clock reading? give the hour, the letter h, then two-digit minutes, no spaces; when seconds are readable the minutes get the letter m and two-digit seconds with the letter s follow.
7h40m51s
